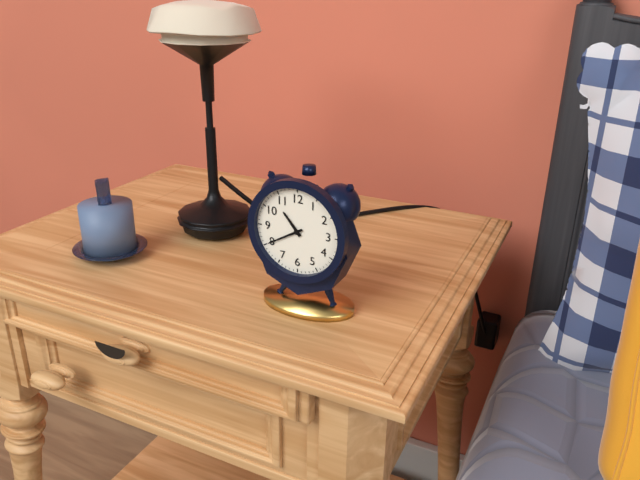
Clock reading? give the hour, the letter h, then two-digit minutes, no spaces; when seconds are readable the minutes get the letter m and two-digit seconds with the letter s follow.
10h40
